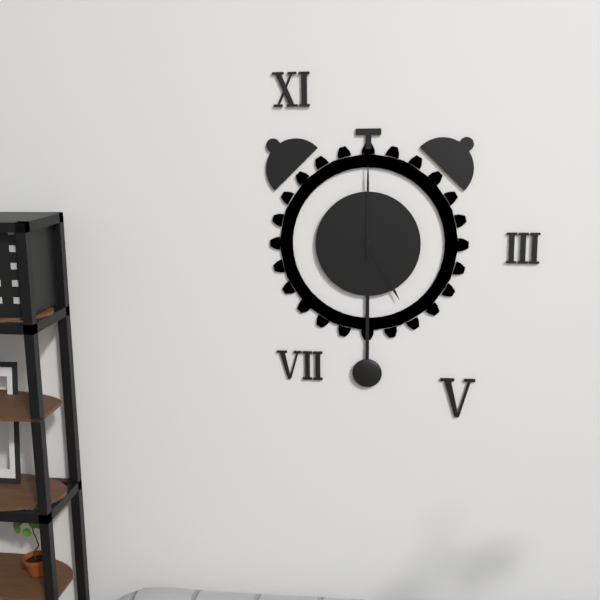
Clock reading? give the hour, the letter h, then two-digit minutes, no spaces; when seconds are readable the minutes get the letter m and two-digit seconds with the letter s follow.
5h00
